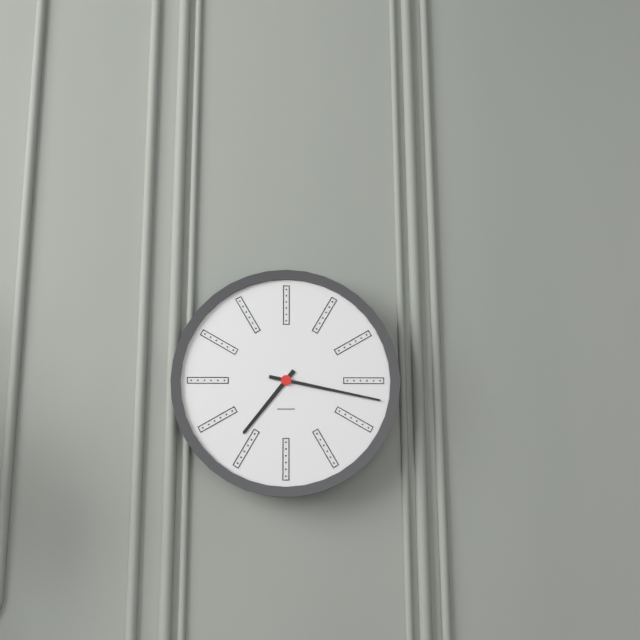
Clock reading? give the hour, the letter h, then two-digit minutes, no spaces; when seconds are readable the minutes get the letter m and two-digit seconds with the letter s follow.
7h17
